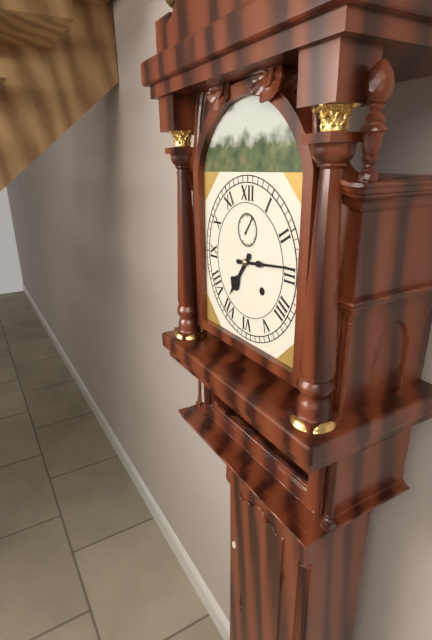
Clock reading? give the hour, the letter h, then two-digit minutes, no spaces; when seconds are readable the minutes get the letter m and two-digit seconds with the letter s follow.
7h14
